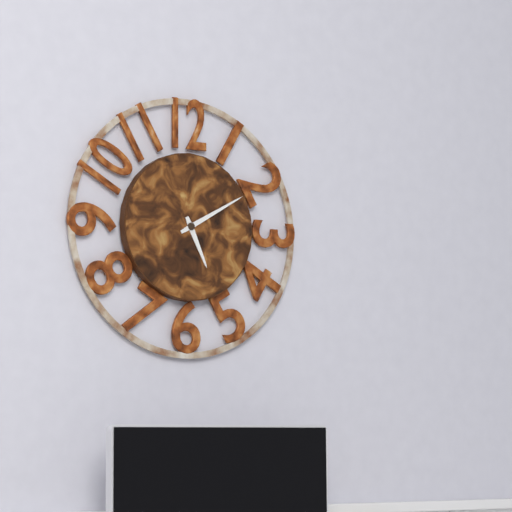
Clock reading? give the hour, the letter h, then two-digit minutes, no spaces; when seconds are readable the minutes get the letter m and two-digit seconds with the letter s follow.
5h10
